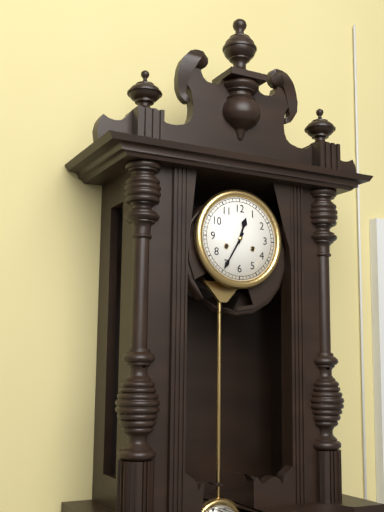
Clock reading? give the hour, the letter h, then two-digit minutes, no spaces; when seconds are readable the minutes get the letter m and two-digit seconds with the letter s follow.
12h35
